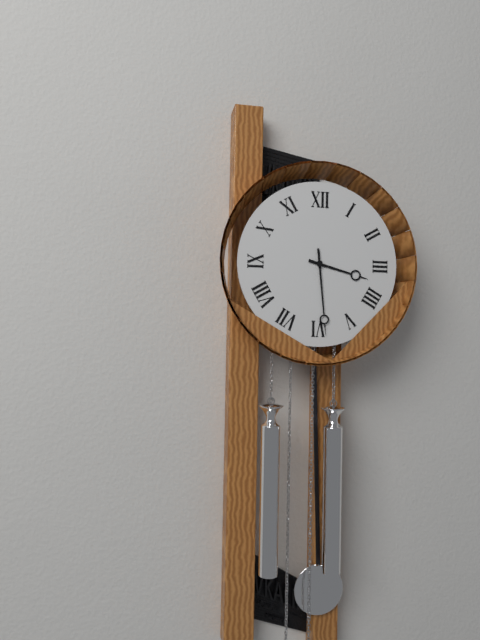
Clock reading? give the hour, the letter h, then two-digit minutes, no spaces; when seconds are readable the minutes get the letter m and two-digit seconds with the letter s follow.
3h29
